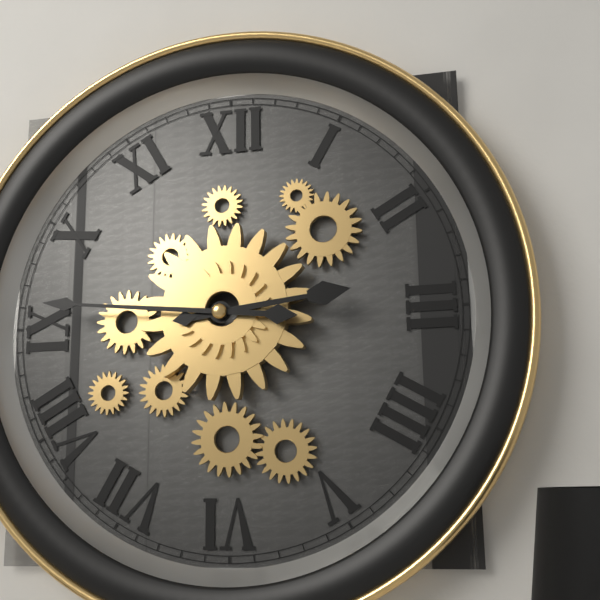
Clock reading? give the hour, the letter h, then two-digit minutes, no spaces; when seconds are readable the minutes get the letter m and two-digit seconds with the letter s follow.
2h46
